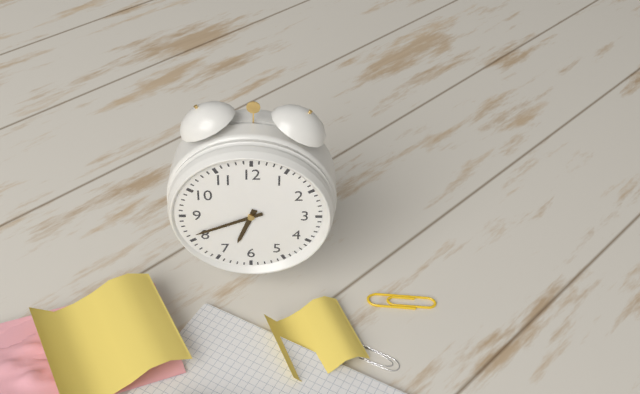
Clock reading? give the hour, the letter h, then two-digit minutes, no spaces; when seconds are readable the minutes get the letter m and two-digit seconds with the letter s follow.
6h41
